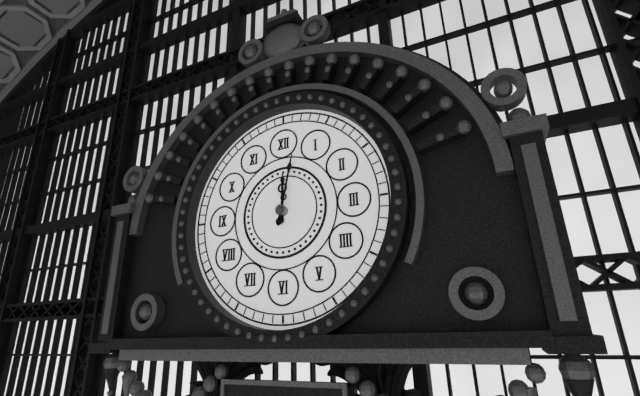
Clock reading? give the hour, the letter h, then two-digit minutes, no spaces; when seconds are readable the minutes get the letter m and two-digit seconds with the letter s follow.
12h02
